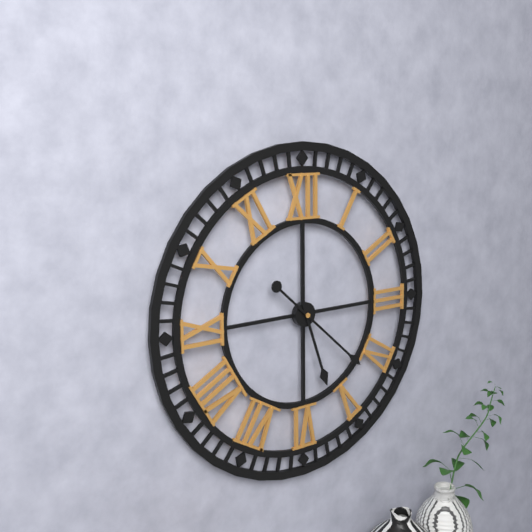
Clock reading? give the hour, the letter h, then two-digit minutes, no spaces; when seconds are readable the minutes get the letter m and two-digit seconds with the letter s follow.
5h22
